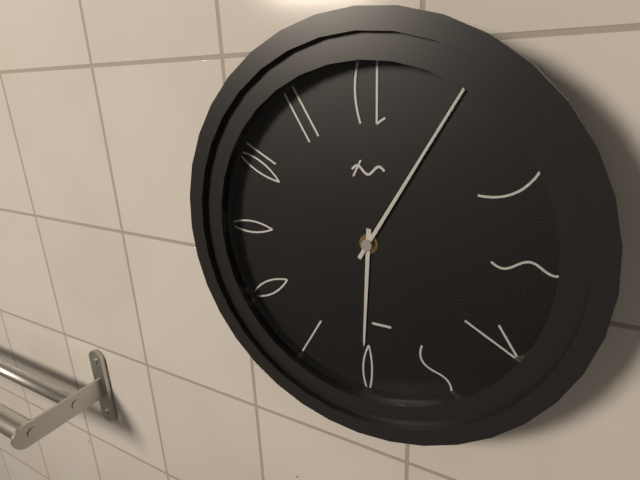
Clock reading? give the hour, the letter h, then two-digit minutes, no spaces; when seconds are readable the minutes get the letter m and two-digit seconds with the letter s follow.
6h05
